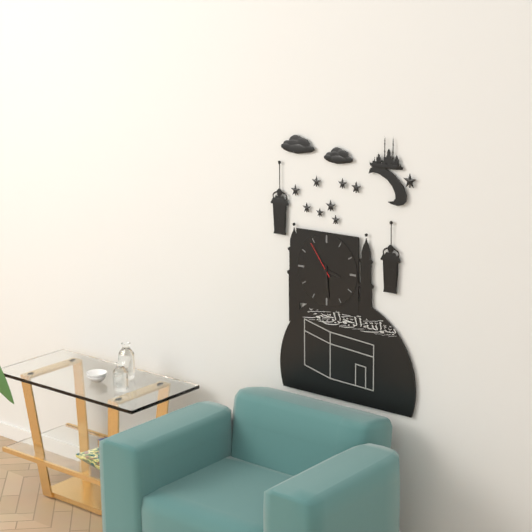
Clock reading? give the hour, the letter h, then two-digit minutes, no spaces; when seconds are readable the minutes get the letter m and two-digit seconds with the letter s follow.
3h29
